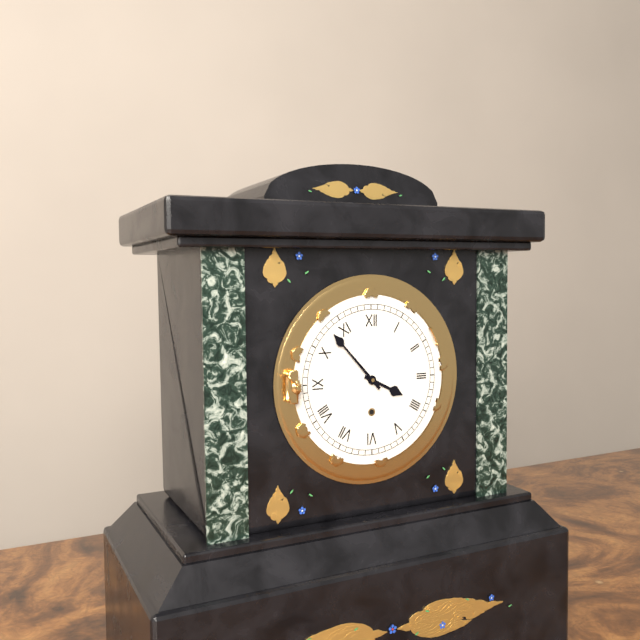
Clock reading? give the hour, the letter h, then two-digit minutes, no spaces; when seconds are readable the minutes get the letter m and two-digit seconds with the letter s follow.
3h53
